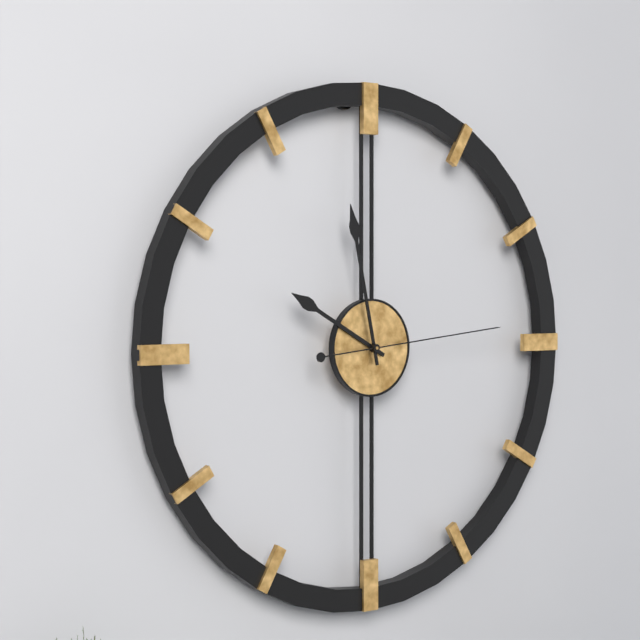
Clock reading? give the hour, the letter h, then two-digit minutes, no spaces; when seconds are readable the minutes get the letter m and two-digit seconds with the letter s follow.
9h58m14s
